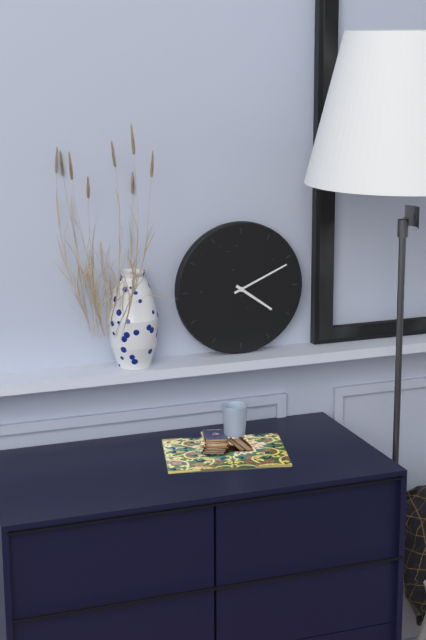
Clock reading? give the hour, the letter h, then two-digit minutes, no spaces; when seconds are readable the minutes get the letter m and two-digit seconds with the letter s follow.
4h11
